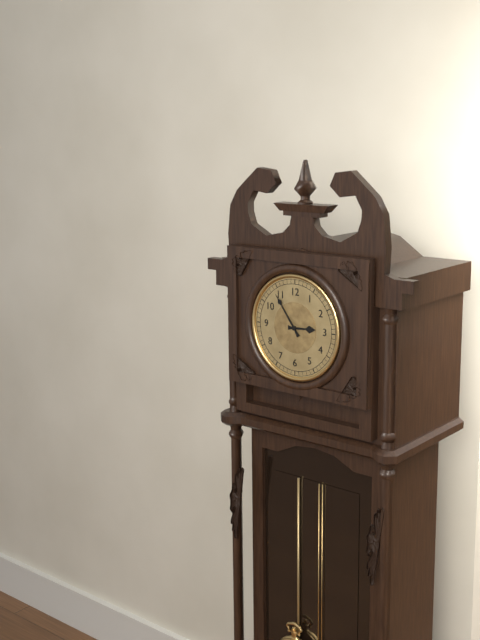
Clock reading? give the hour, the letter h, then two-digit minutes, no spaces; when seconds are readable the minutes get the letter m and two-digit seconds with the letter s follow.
2h54
